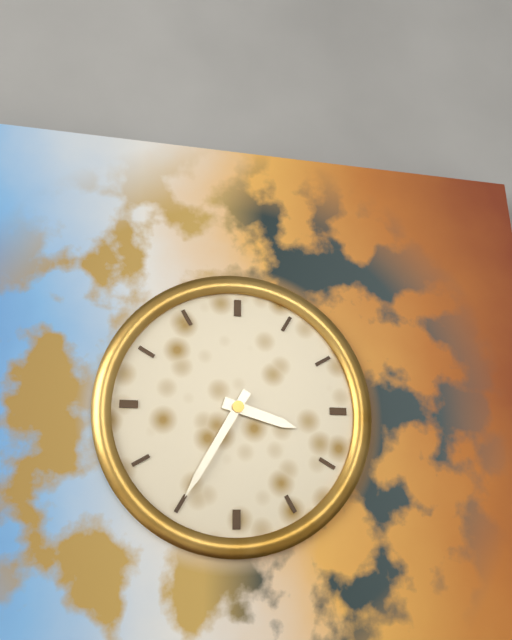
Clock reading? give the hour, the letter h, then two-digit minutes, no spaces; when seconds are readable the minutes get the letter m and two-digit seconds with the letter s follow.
3h35
